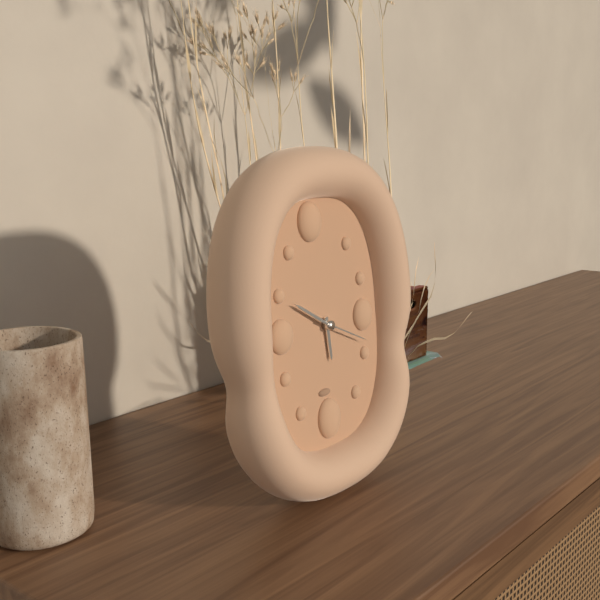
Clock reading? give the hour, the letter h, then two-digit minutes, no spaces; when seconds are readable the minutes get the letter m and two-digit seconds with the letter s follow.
5h50
